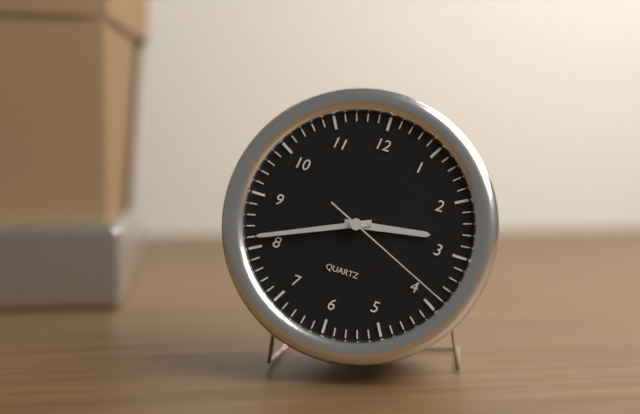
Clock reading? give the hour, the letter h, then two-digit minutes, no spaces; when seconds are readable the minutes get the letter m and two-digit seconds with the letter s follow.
2h41m19s
